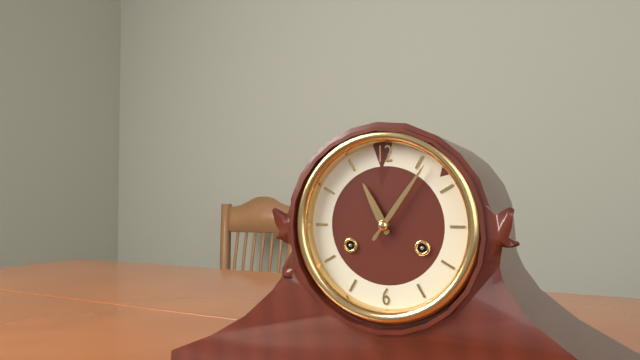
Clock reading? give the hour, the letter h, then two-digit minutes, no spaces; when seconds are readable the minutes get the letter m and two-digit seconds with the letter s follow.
11h06
